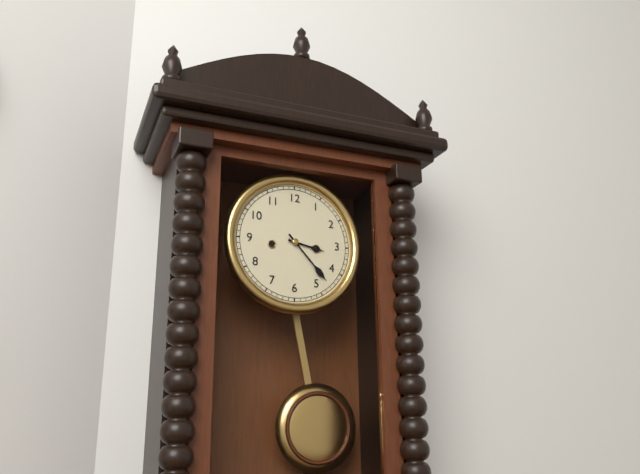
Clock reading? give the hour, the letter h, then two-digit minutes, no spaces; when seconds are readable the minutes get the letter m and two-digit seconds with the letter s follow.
3h23
